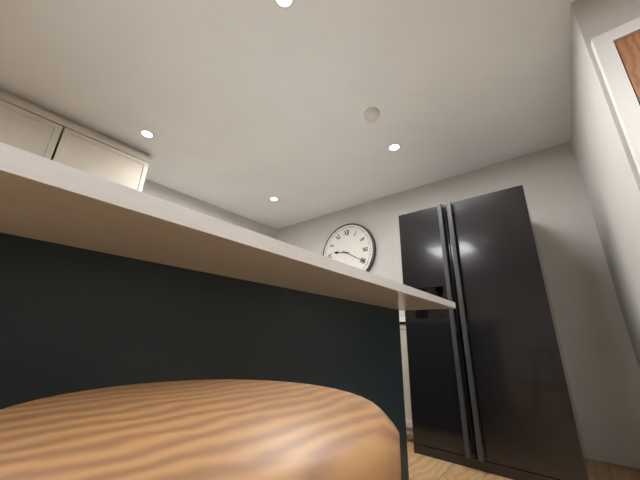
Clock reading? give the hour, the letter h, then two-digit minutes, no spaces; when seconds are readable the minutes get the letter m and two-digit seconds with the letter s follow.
9h20
